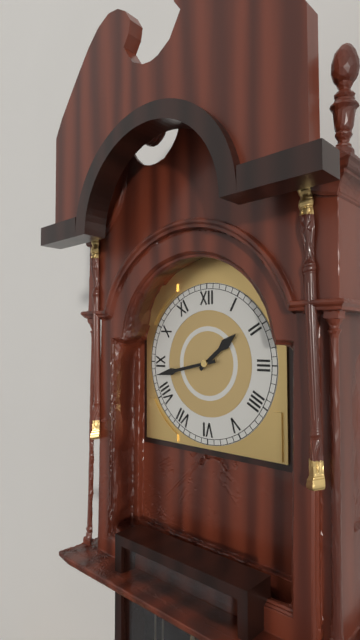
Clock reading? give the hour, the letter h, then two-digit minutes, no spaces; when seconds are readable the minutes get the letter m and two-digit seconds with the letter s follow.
1h43
